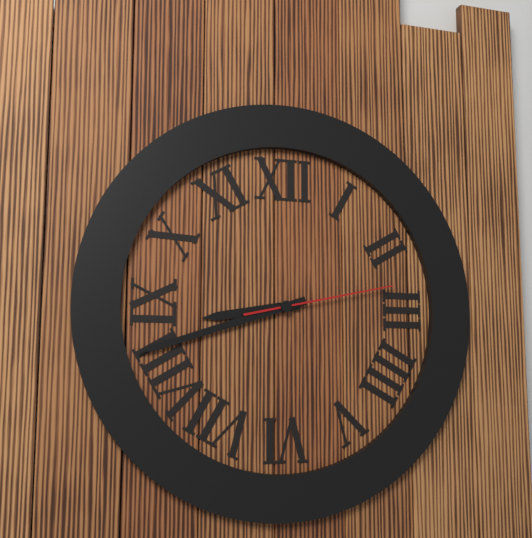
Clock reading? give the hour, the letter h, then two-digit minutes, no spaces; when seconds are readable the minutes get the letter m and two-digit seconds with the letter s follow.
8h42m13s
